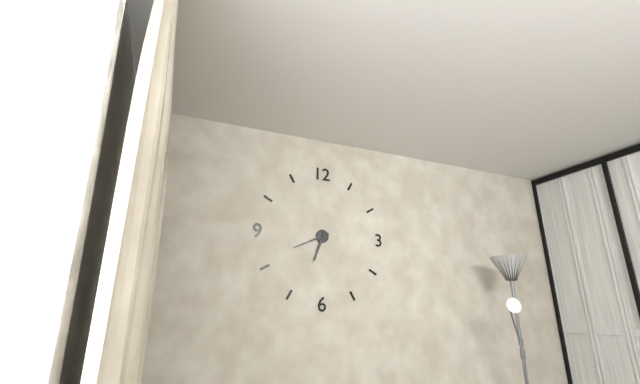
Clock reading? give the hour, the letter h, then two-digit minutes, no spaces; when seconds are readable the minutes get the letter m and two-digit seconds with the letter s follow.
6h41
